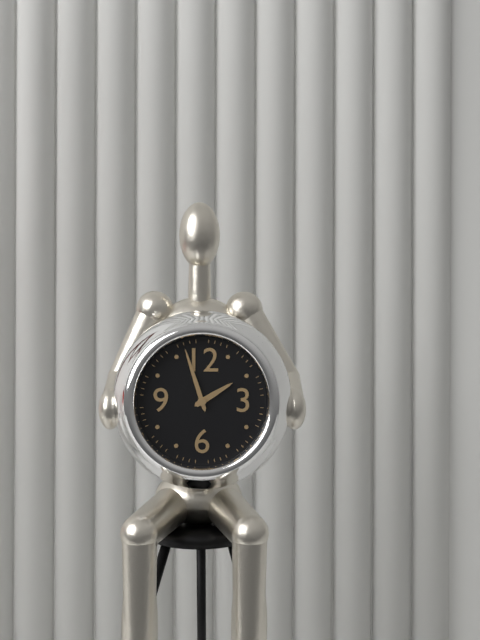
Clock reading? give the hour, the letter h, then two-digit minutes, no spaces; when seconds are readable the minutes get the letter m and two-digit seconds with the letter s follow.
1h57
